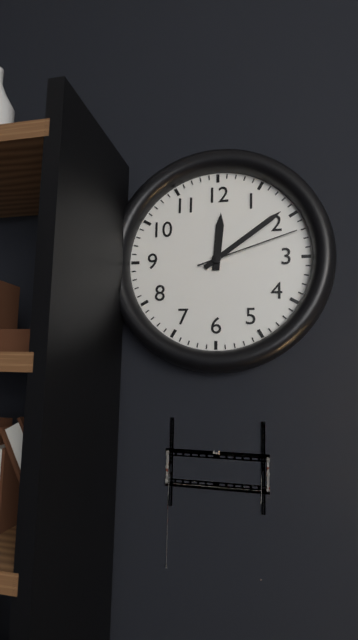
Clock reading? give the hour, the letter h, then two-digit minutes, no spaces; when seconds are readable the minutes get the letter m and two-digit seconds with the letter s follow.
12h09m12s
